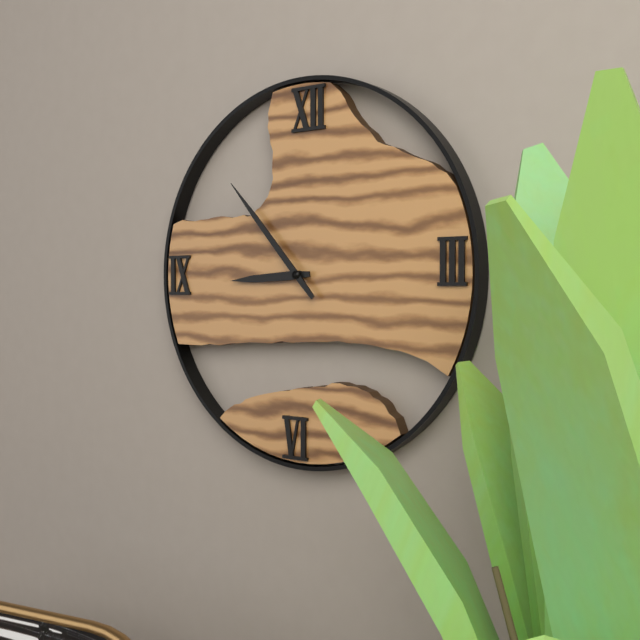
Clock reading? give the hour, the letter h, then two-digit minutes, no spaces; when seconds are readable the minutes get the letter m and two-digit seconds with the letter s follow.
8h53
